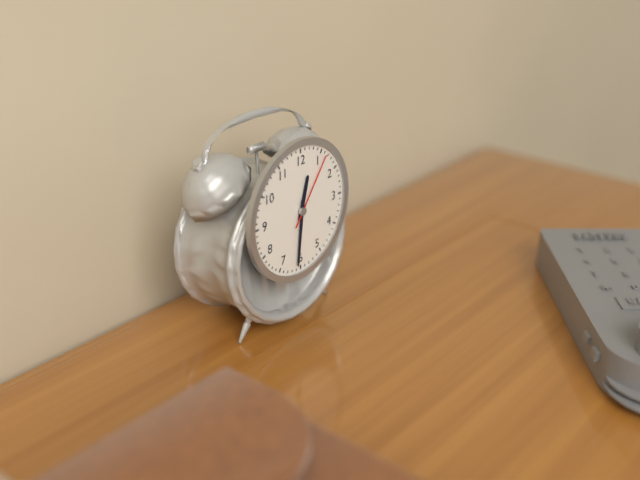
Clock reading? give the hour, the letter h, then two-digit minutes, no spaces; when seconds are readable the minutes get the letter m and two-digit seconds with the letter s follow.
12h31m06s
